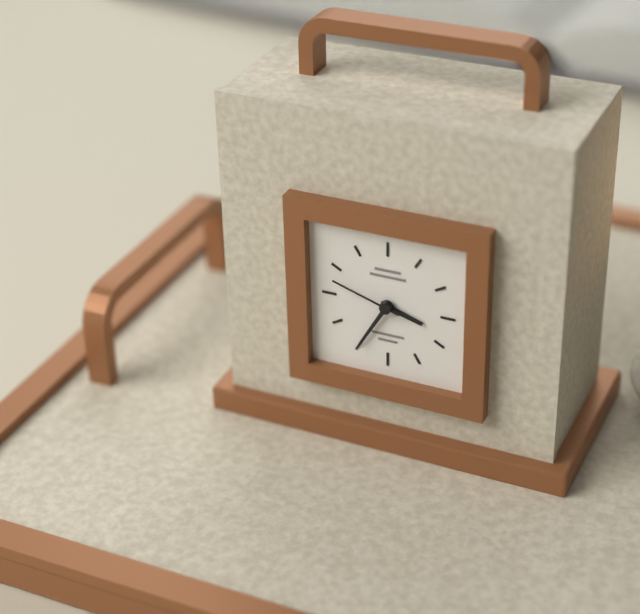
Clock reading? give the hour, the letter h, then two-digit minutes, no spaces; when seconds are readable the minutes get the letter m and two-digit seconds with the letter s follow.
3h35m48s
